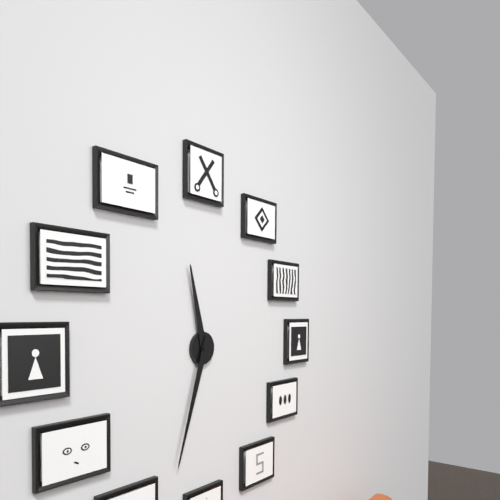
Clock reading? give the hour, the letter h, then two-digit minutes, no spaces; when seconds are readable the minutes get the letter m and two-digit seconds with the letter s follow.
11h33
